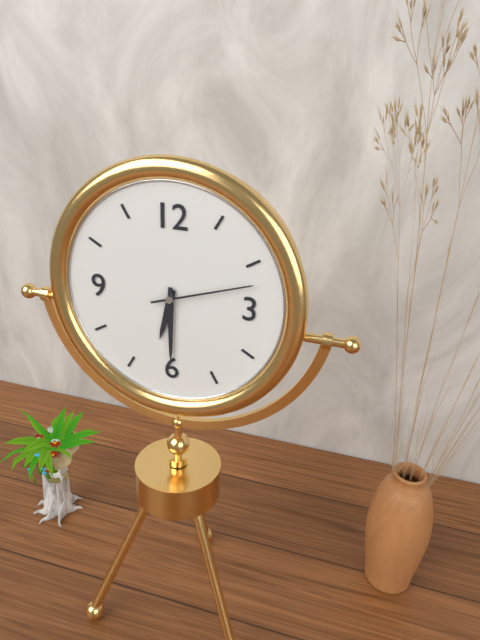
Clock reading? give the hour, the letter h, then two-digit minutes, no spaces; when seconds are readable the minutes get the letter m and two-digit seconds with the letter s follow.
6h30m12s
